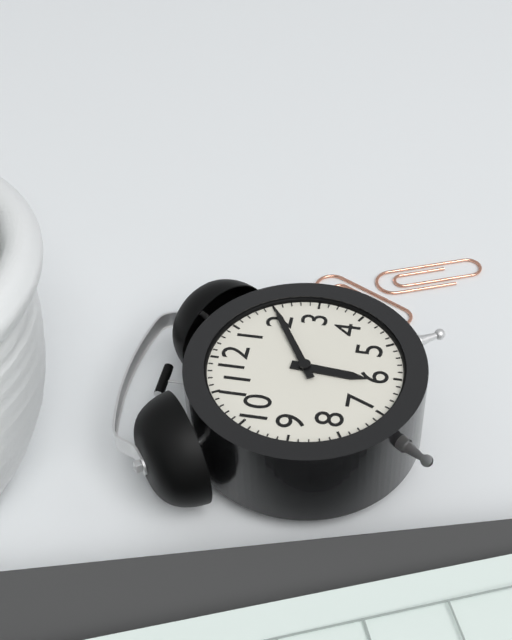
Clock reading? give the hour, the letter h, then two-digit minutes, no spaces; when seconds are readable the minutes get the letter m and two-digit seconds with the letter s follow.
6h10
